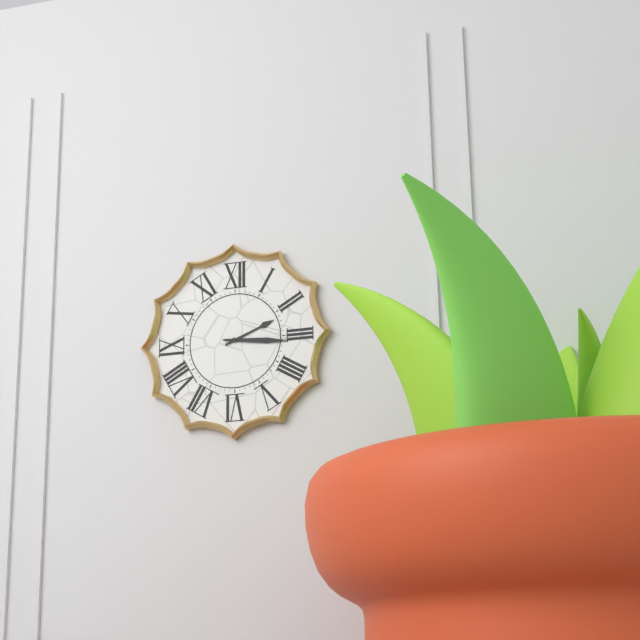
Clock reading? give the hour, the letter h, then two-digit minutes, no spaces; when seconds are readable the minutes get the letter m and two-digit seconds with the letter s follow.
2h16
